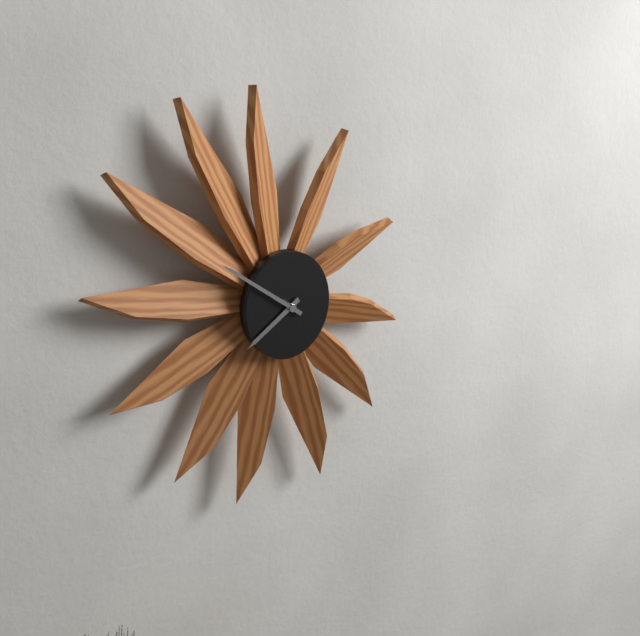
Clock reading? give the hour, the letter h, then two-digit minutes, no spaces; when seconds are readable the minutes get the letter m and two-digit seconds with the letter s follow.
7h51
